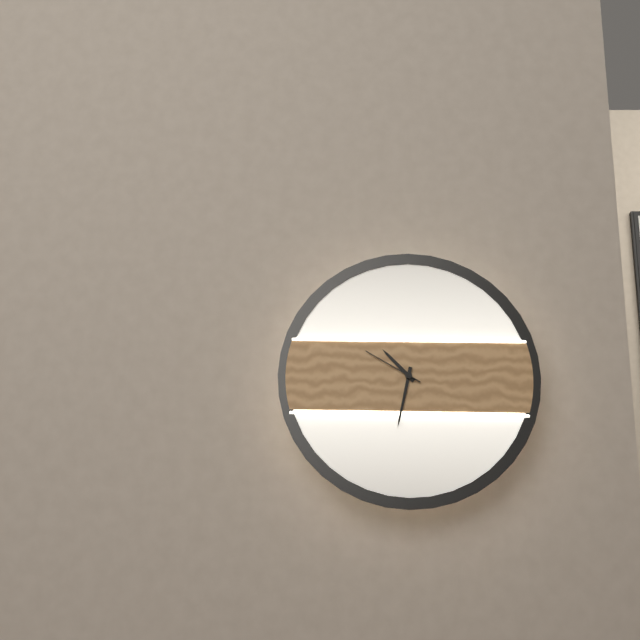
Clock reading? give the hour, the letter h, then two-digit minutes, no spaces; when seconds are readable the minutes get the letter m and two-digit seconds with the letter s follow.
10h32m50s
